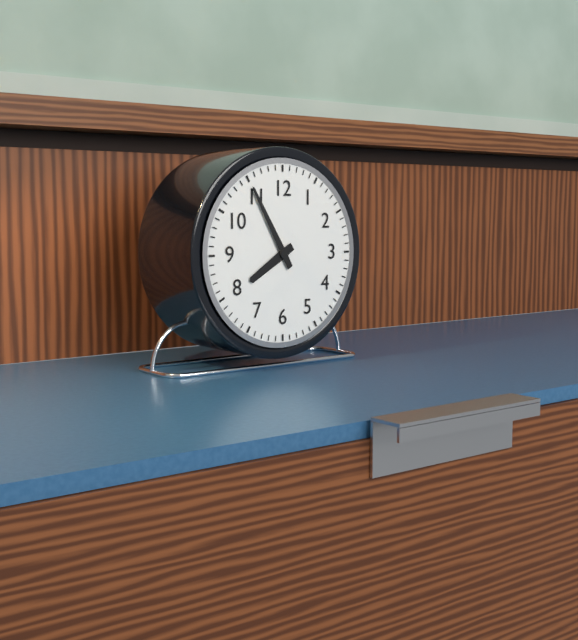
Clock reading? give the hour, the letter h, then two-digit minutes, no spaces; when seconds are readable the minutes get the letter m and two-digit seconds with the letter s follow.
7h55
